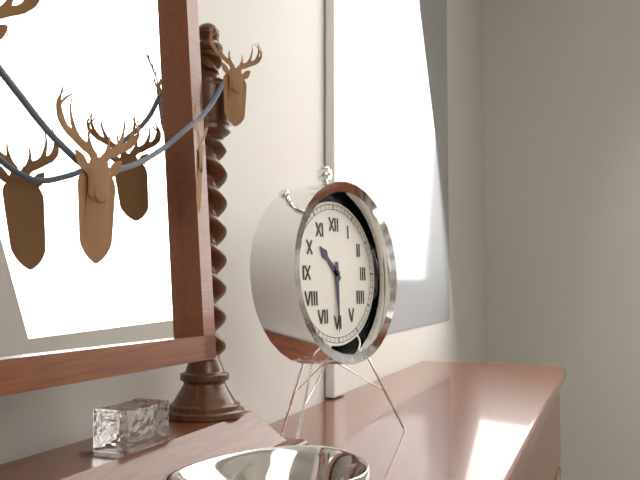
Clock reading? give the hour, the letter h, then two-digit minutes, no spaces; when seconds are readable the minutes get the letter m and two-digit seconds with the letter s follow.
10h30
